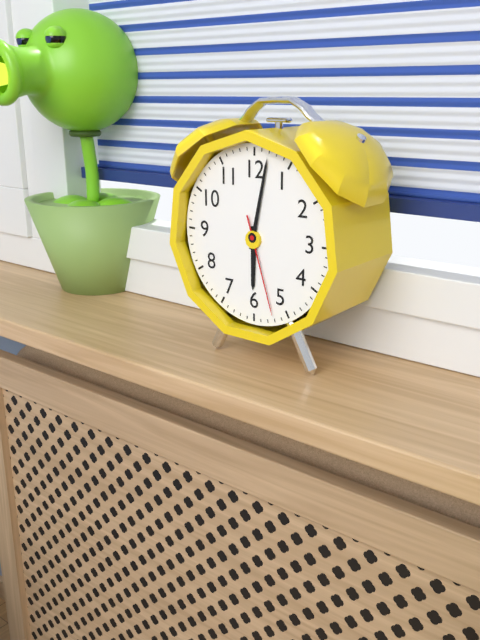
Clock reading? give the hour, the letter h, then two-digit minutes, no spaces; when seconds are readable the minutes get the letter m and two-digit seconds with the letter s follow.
6h02m27s
